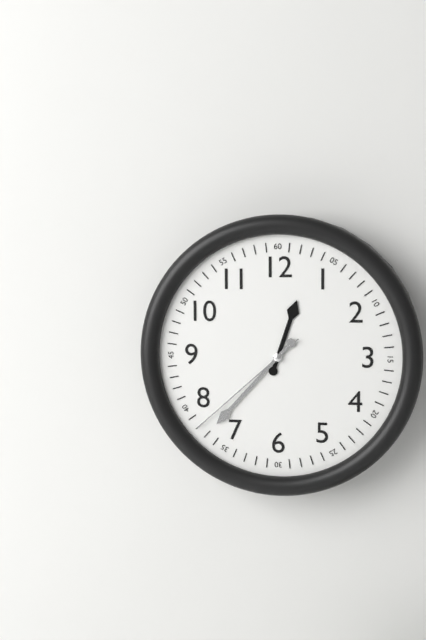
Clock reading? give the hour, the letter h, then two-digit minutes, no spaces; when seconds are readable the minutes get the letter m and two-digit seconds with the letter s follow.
12h37m38s
